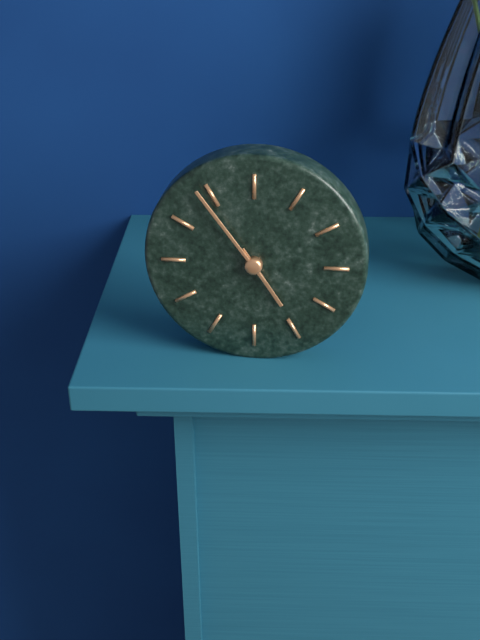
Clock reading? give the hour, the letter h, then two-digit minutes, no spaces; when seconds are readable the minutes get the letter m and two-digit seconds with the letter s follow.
4h54
